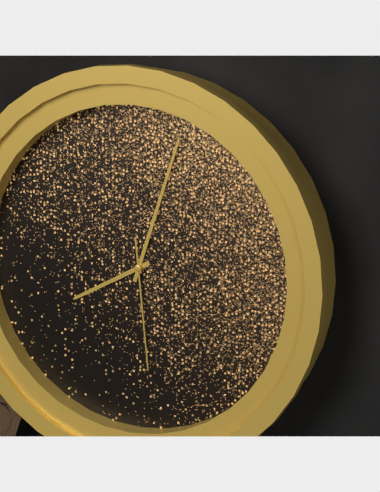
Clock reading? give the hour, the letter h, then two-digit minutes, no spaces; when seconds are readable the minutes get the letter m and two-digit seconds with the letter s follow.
8h03m29s
